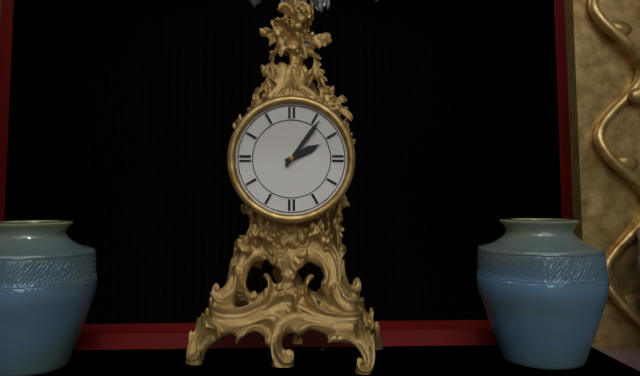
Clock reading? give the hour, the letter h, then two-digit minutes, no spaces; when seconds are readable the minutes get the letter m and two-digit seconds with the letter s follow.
2h06
